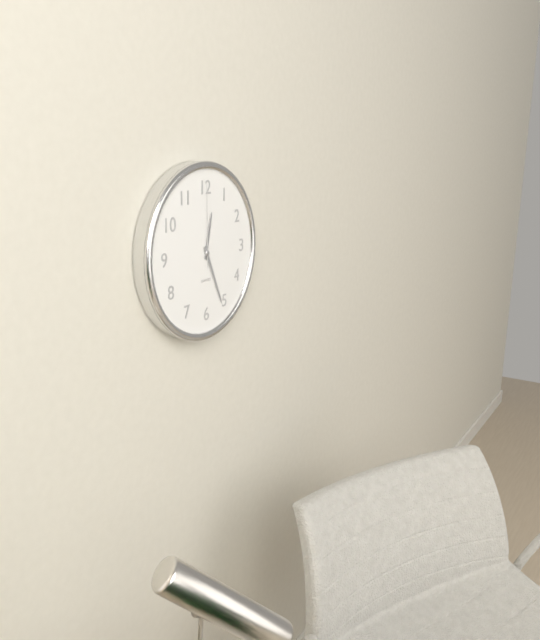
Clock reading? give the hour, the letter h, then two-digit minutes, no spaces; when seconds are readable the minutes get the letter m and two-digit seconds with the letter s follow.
12h26m00s
